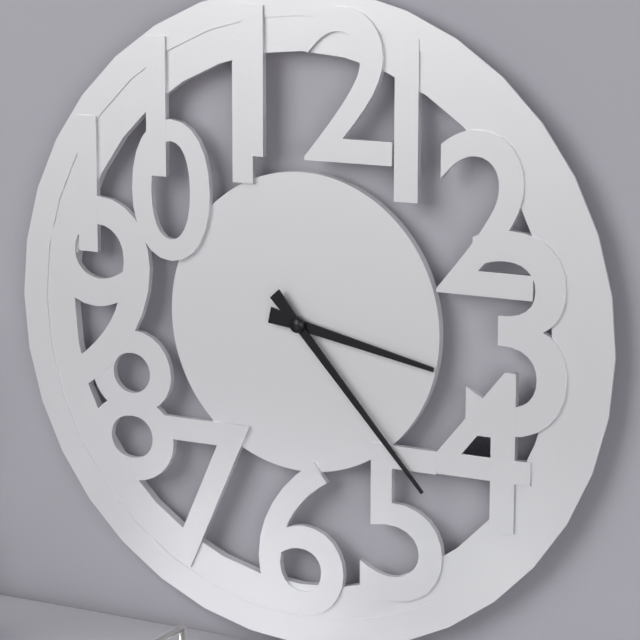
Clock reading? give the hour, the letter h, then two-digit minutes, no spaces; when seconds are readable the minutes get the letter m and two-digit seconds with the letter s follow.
3h23
